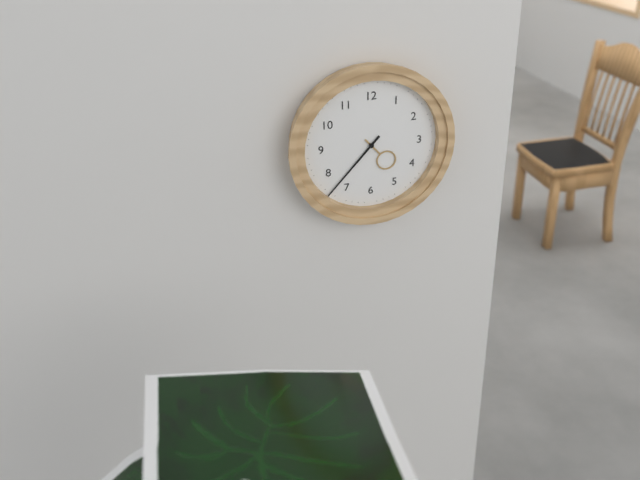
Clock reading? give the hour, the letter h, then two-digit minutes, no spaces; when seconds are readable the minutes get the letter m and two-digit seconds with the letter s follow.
4h37
